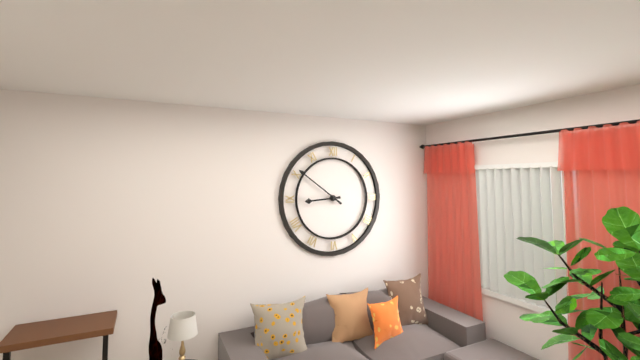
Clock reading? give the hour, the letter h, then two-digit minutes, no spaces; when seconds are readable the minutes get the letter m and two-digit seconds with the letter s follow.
8h51
